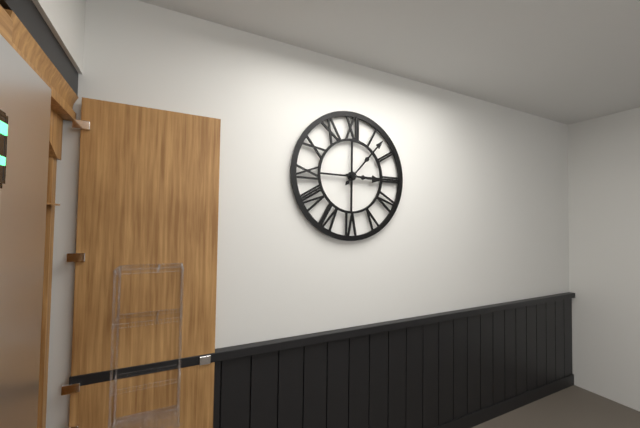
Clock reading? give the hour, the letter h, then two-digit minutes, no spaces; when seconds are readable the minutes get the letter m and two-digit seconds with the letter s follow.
3h07
